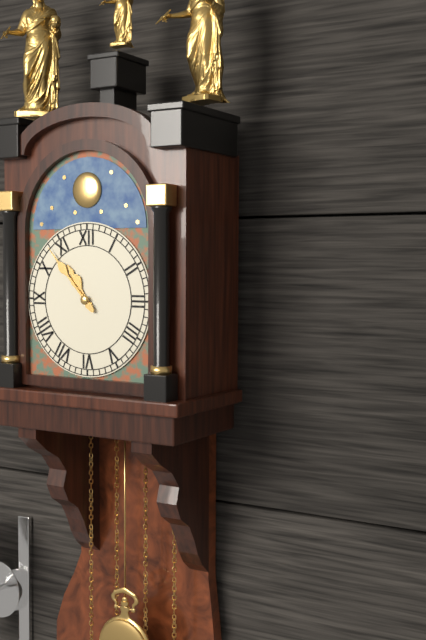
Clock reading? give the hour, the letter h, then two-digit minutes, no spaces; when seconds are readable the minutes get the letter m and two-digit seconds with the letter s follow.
10h53
